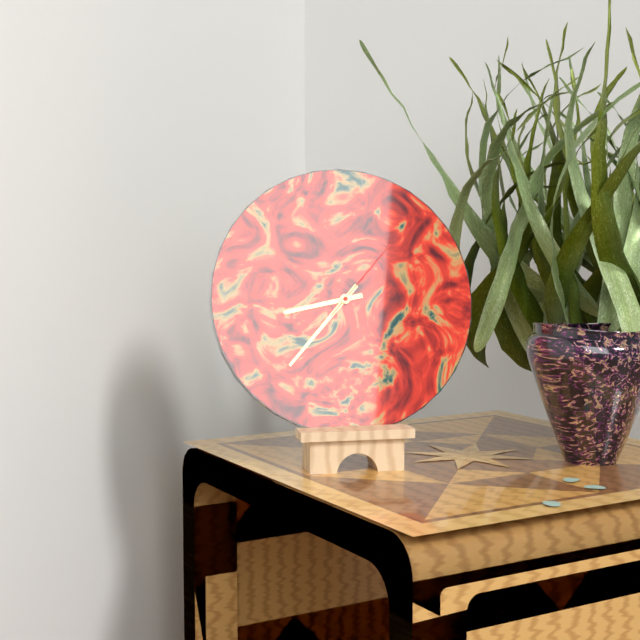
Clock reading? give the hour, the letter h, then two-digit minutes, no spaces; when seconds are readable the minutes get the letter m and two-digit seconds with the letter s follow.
8h37m07s
